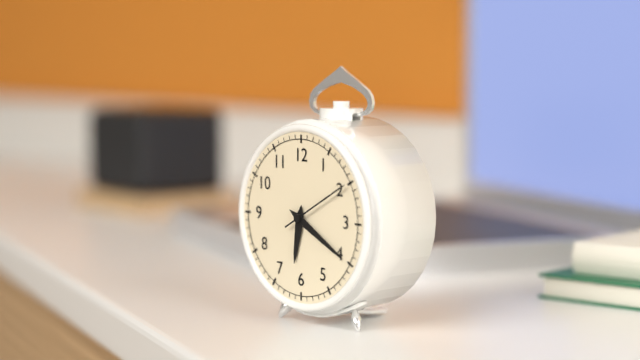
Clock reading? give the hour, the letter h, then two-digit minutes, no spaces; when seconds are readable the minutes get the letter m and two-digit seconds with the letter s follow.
6h20m10s
